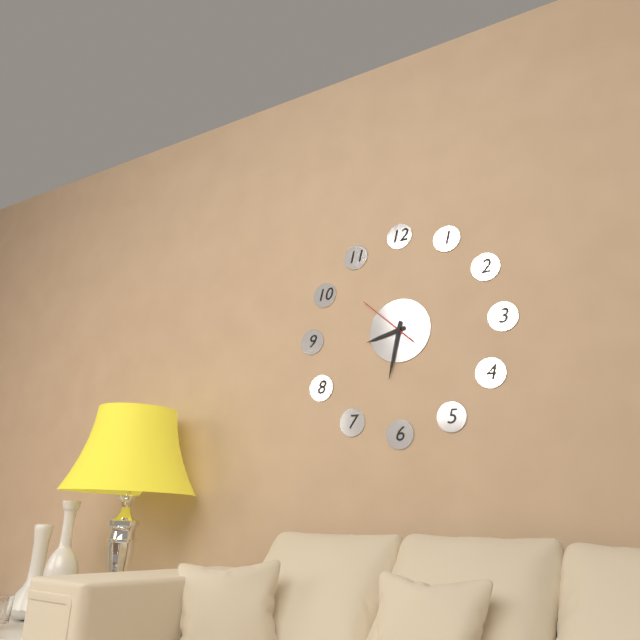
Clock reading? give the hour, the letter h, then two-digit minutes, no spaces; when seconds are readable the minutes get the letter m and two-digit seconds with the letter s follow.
8h32m52s
